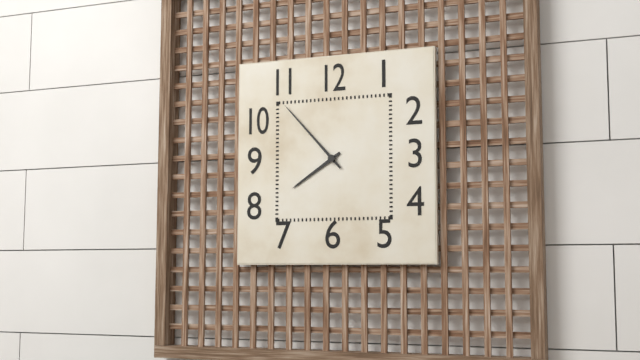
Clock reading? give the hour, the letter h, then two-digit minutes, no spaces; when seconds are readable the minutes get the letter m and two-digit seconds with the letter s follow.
7h53
